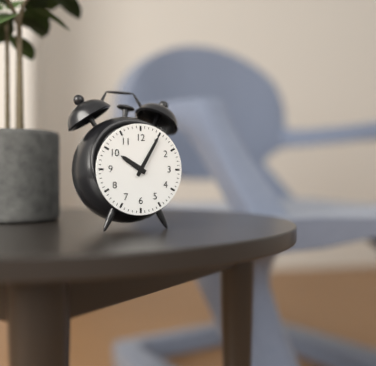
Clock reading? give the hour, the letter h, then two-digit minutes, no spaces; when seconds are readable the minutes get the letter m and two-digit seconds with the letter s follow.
10h05
